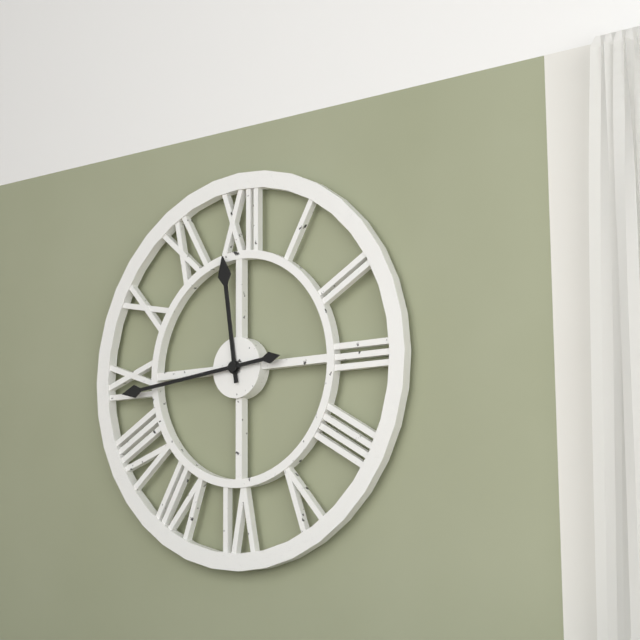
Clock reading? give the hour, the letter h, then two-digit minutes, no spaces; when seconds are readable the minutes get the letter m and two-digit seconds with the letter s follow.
11h44
